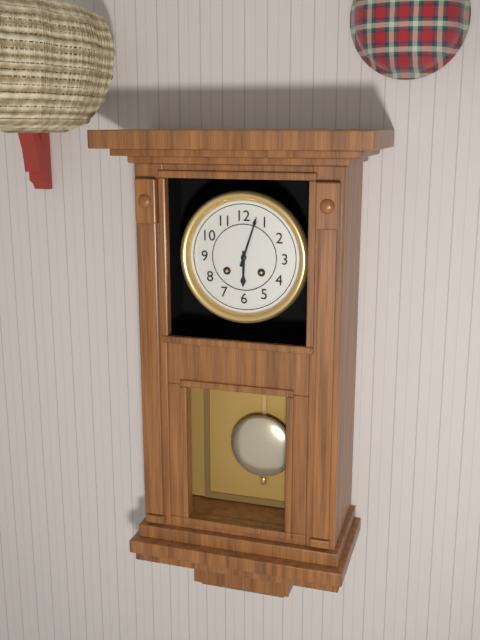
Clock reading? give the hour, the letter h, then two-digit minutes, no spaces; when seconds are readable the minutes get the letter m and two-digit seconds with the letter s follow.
6h03
